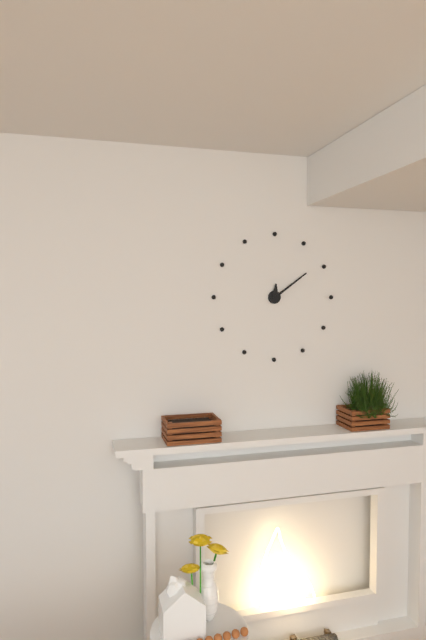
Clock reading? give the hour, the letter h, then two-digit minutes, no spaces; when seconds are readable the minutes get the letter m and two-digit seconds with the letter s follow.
12h09
